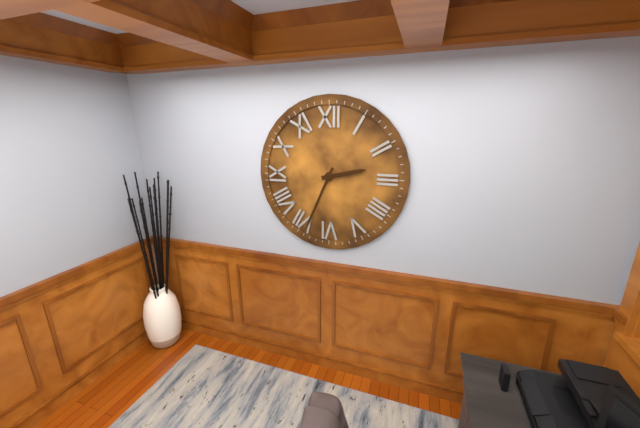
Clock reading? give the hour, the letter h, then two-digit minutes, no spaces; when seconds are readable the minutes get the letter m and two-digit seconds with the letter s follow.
2h34
